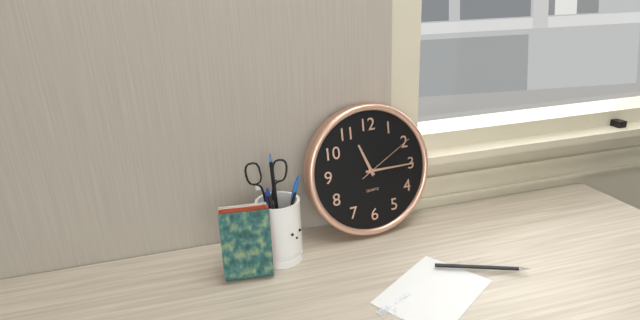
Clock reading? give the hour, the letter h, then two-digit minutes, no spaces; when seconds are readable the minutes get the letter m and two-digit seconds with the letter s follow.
11h15m10s
